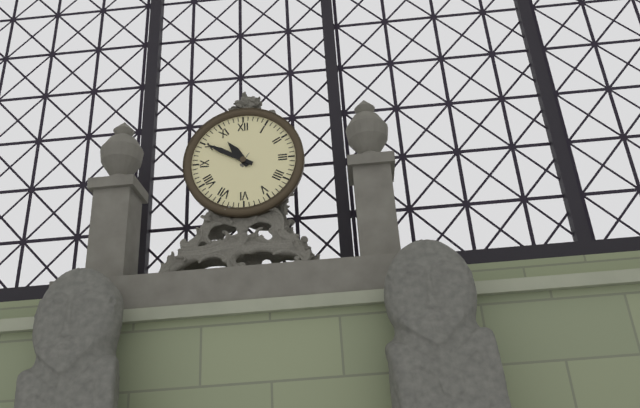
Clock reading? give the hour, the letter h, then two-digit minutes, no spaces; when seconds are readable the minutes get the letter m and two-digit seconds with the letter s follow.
10h50
